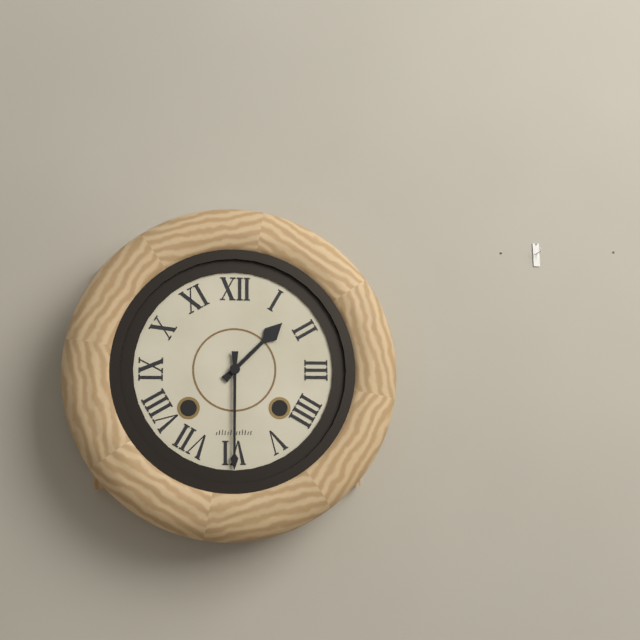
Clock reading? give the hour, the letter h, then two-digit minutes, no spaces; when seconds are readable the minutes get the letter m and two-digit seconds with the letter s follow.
1h30
